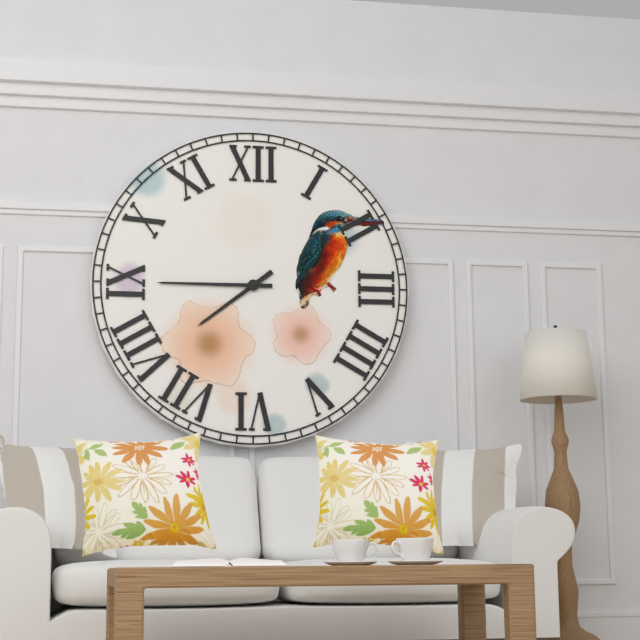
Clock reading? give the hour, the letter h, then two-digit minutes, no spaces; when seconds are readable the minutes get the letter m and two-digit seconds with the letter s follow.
7h45
